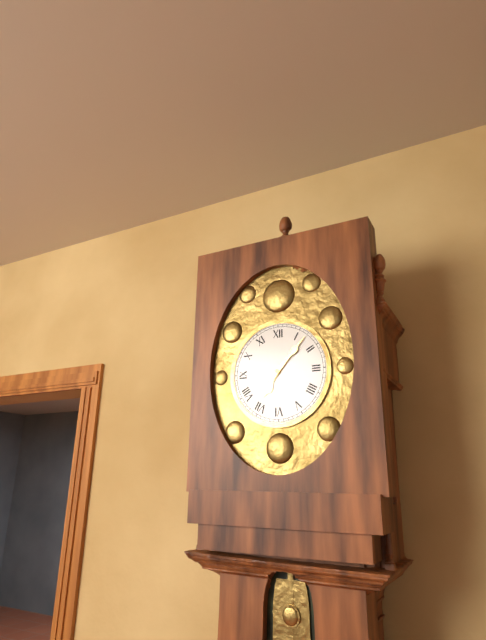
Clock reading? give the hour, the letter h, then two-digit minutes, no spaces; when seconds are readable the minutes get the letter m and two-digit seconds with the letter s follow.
7h07
